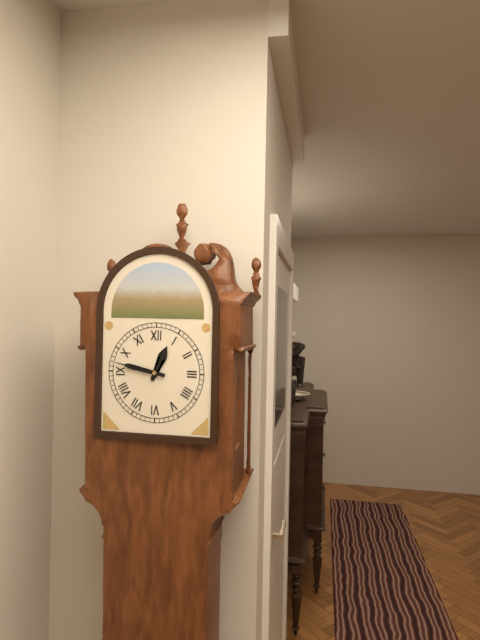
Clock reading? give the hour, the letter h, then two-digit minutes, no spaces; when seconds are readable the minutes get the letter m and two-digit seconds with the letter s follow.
12h47
